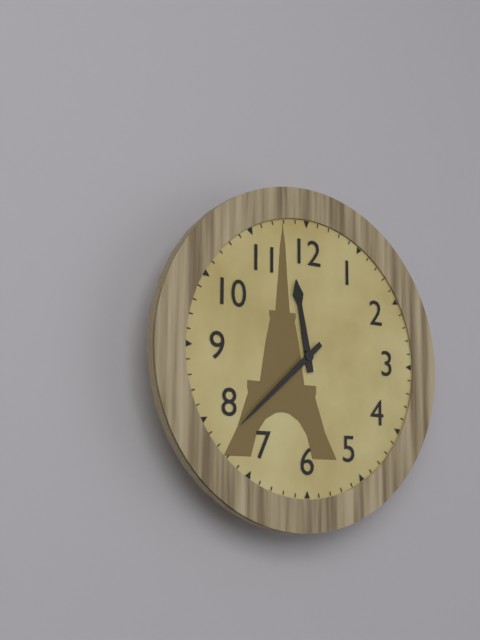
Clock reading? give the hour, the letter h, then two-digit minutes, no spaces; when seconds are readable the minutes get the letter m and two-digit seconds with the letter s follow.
11h38
